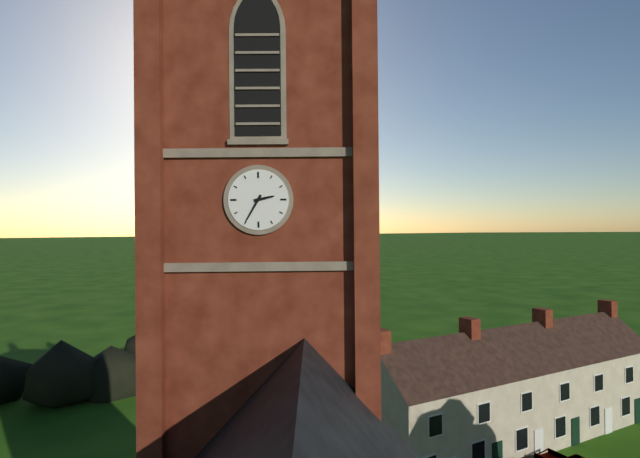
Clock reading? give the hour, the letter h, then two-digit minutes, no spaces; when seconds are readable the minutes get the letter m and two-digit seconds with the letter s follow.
2h35
